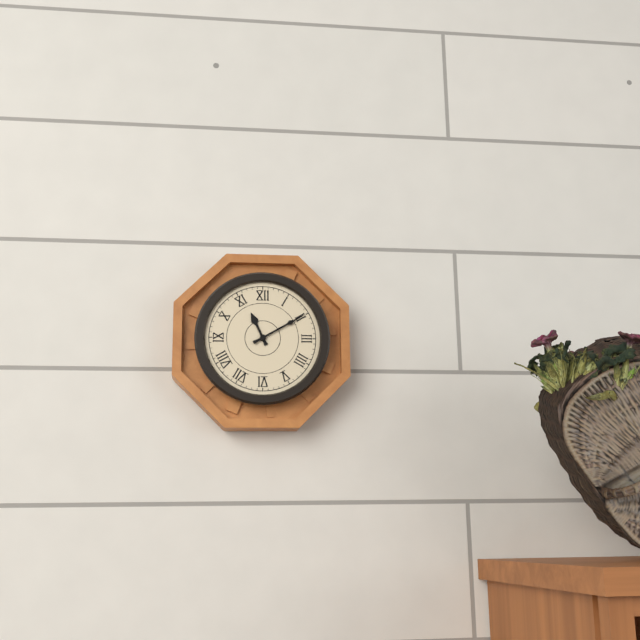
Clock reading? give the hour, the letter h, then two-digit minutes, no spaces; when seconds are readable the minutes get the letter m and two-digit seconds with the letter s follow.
11h10
